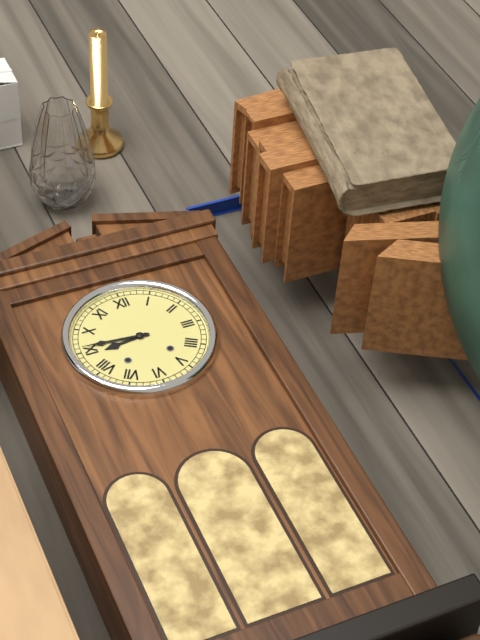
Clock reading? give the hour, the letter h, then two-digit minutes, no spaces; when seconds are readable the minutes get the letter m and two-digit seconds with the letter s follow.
8h46
